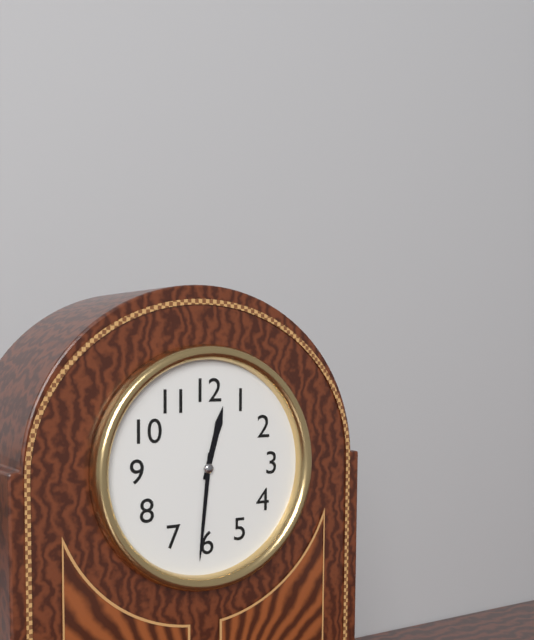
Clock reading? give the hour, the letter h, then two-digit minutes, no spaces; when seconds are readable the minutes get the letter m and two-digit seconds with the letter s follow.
12h31
